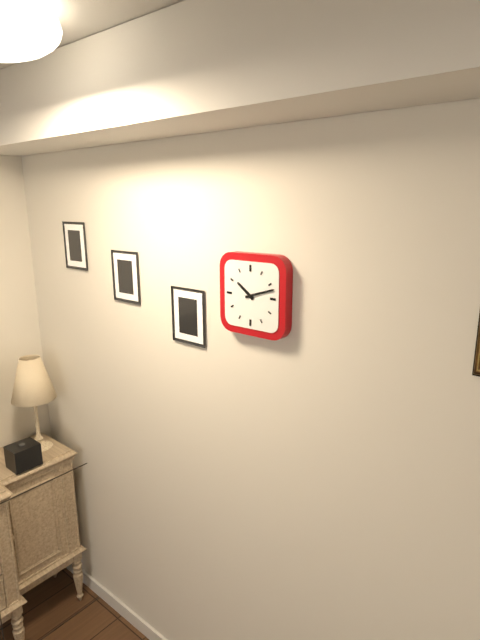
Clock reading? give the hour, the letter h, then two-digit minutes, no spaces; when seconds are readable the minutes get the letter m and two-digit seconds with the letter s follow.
10h12
